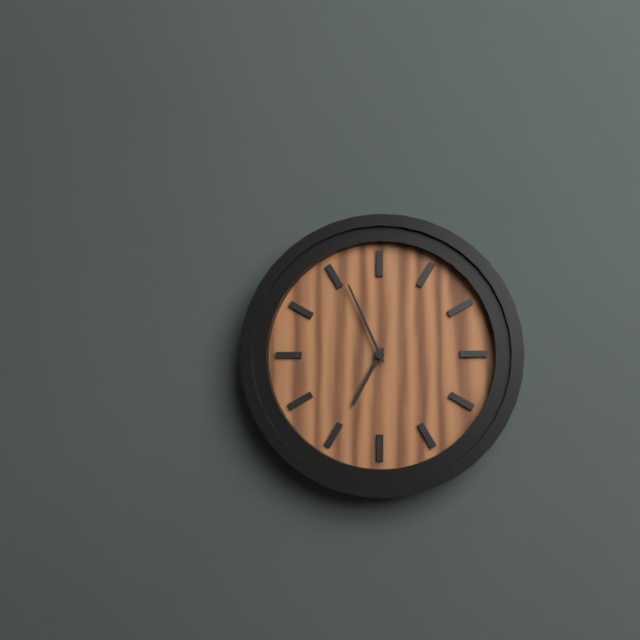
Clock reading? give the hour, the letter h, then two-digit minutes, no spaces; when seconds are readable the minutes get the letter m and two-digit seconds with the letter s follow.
6h56
